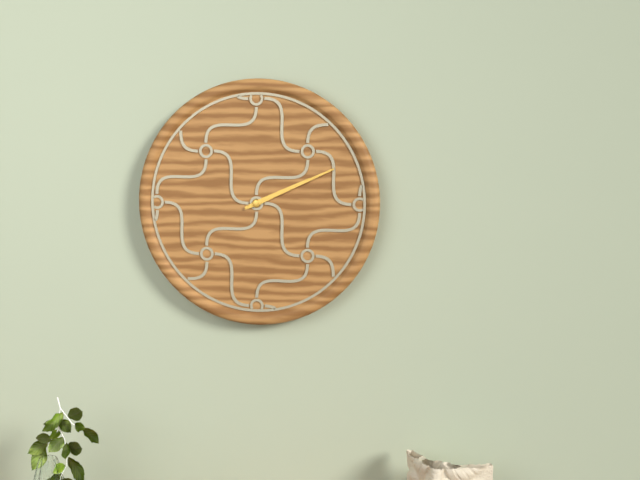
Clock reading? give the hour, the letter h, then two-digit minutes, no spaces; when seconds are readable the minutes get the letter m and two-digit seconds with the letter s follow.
2h11
